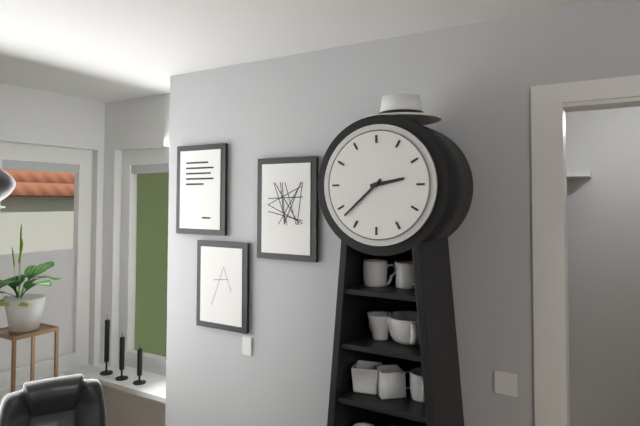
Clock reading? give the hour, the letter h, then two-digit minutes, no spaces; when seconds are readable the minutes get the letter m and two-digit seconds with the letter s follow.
2h38
